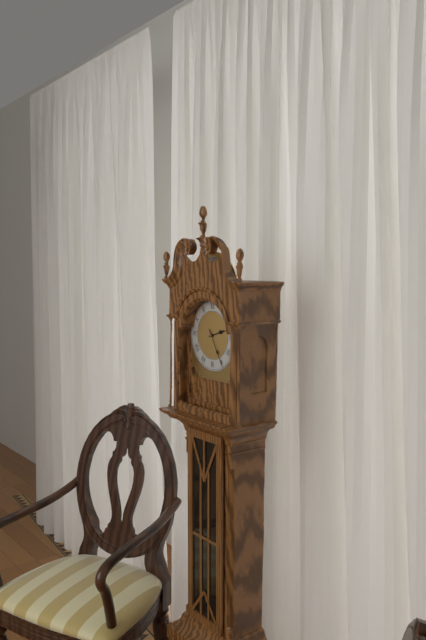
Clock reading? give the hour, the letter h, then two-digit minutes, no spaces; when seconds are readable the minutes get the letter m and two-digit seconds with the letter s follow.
2h25
